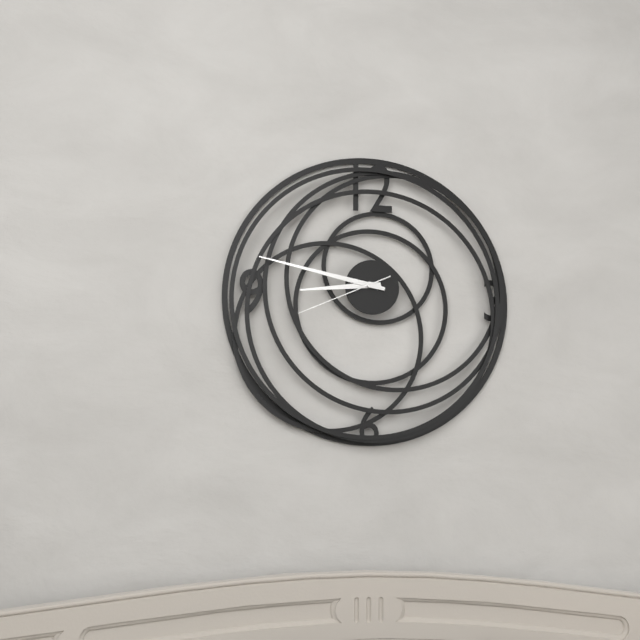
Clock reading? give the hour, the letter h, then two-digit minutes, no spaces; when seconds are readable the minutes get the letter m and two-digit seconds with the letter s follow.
8h47m41s
